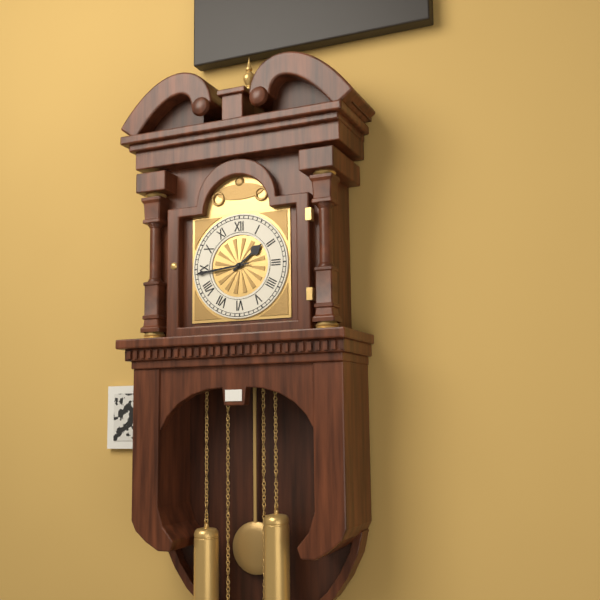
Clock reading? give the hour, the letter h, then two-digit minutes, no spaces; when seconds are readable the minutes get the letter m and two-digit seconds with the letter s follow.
1h44
